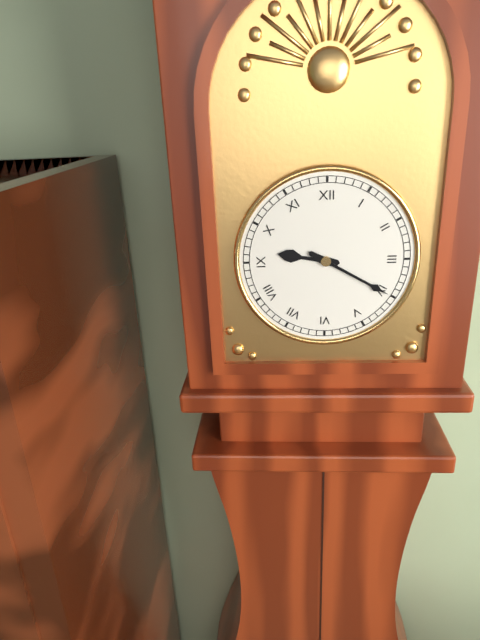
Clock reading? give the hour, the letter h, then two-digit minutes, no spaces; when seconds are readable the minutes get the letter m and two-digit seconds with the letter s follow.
9h20
